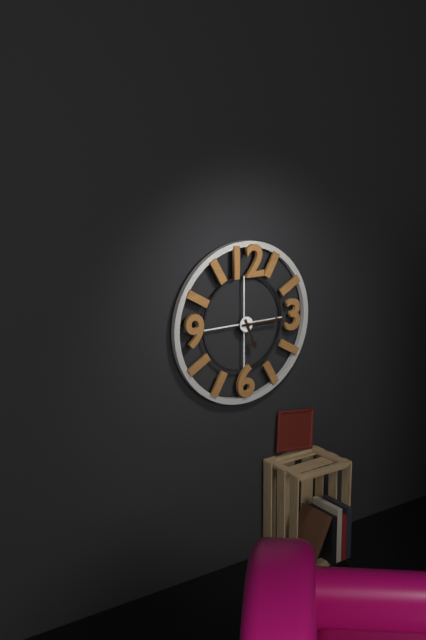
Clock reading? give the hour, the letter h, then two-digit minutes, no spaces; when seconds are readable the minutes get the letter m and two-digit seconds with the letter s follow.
5h15
